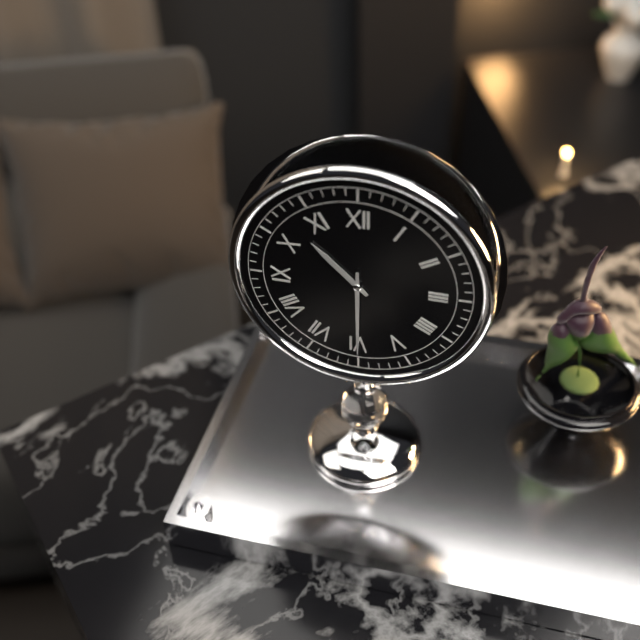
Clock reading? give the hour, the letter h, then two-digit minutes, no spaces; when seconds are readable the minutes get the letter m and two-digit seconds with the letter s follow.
10h30
